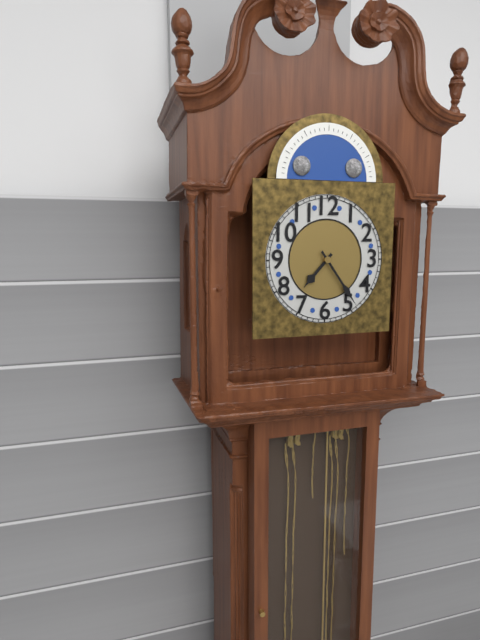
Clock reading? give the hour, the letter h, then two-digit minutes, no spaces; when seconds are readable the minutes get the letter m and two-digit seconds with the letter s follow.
7h24
